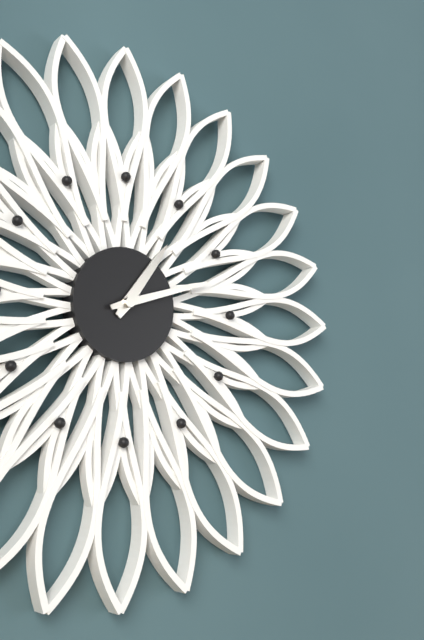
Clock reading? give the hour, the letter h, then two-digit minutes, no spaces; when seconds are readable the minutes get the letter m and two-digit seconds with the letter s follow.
1h12
